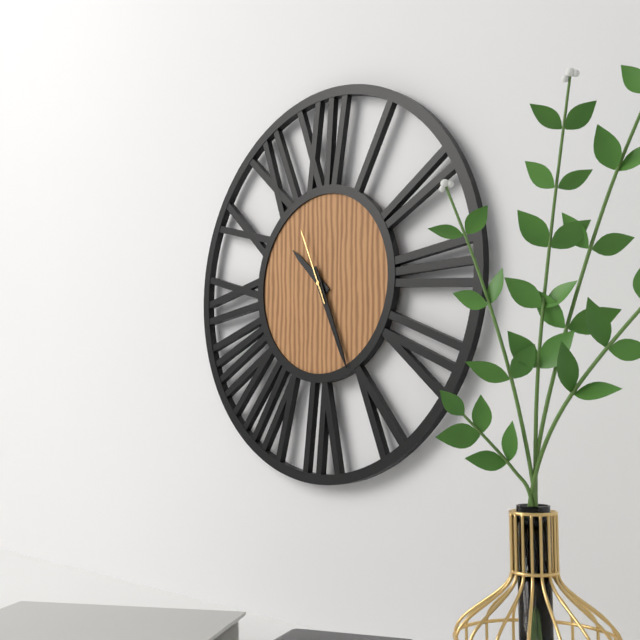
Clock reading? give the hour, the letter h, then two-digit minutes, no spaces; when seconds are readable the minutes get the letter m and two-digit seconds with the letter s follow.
10h26m56s
